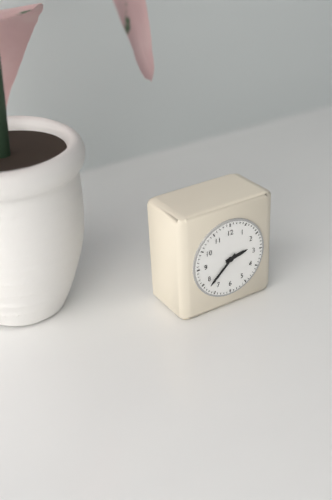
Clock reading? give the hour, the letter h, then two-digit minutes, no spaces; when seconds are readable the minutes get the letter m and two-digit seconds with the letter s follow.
2h38
